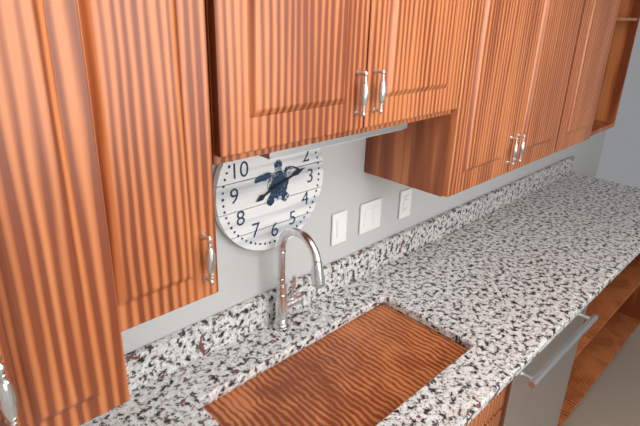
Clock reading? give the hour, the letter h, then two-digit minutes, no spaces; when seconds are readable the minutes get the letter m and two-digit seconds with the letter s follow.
8h12
